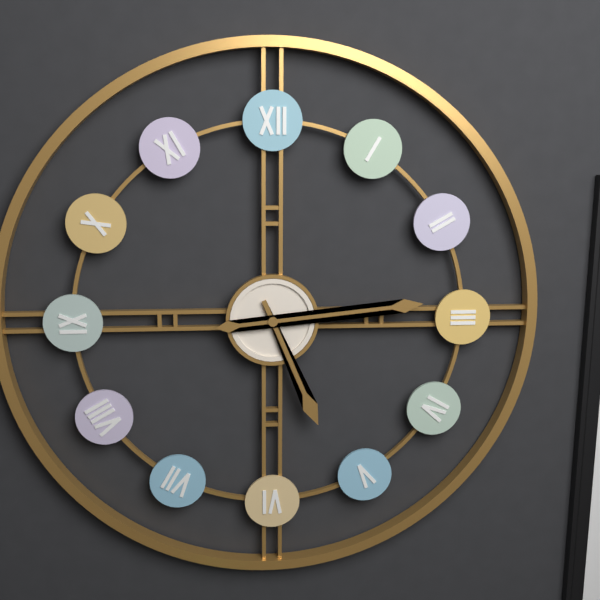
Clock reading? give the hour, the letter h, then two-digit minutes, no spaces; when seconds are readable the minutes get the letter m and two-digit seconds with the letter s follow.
5h14
